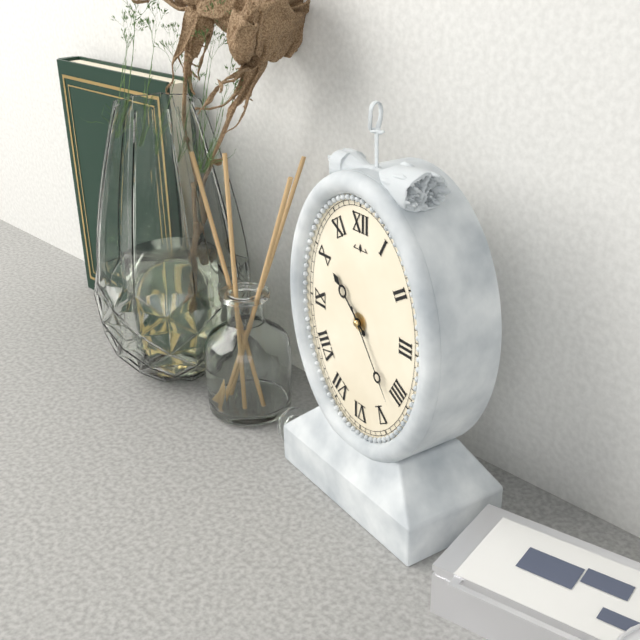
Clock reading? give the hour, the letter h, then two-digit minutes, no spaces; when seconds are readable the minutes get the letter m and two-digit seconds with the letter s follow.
10h24
